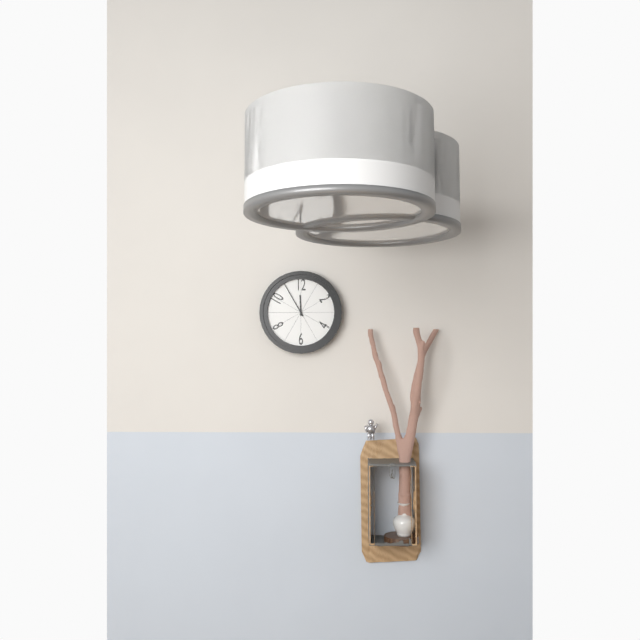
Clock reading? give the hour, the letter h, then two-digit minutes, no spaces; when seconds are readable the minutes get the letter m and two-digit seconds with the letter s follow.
11h55
